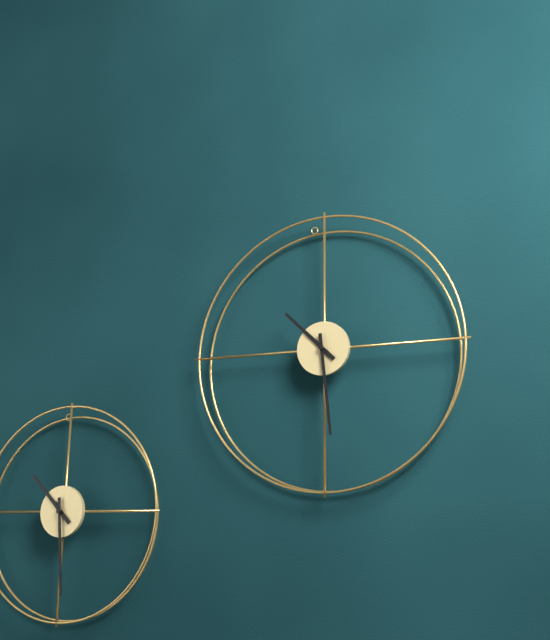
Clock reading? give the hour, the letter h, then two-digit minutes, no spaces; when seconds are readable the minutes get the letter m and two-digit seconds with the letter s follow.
10h29
